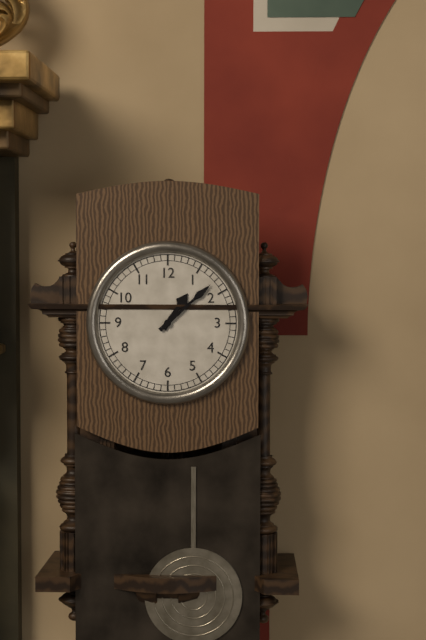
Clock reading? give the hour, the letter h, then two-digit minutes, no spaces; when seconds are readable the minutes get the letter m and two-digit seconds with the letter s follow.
1h08
